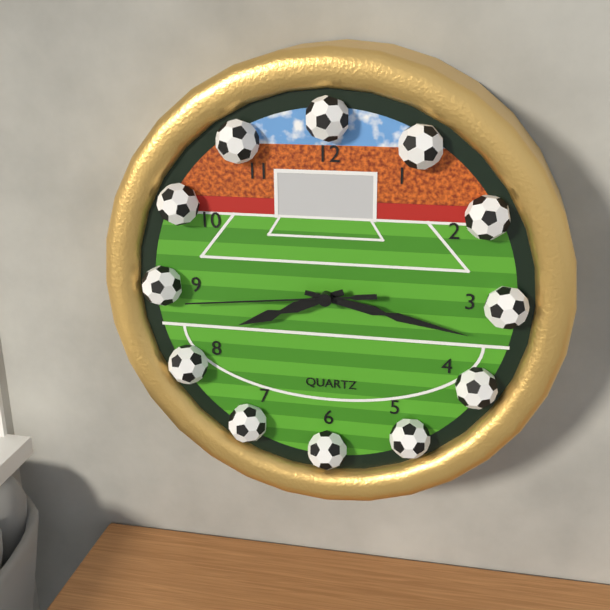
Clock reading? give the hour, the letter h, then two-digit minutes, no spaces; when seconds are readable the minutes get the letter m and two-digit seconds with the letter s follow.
8h17m44s
